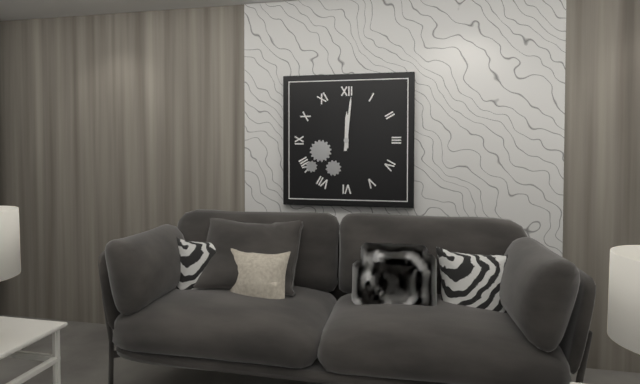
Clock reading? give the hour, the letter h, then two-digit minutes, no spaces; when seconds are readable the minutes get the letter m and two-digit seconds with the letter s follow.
12h01
